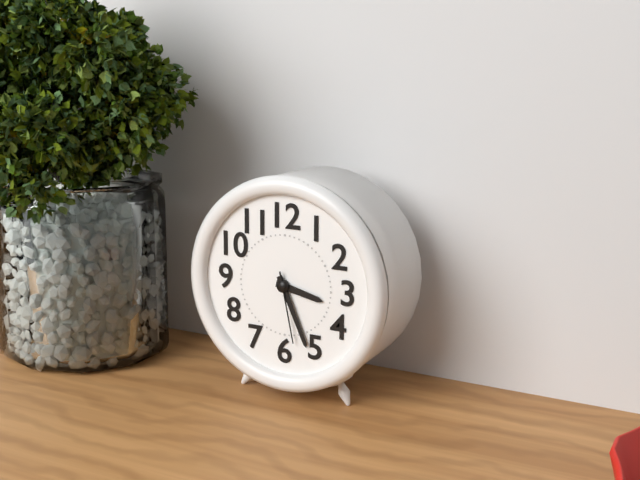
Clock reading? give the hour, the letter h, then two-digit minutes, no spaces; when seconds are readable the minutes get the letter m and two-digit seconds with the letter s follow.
3h26m28s
